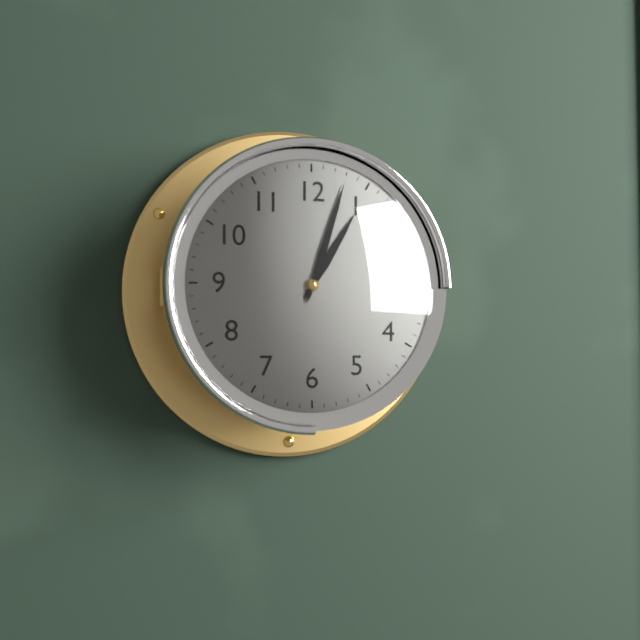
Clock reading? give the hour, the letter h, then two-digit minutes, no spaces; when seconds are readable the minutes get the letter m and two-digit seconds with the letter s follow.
1h03
